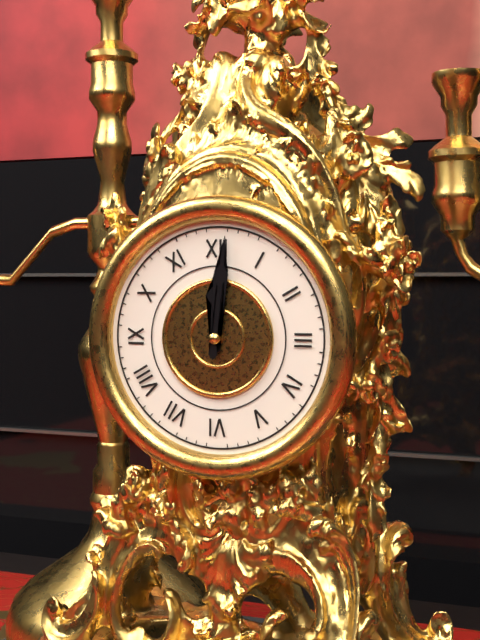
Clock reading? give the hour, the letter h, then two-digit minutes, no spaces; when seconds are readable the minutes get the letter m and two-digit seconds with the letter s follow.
12h01
